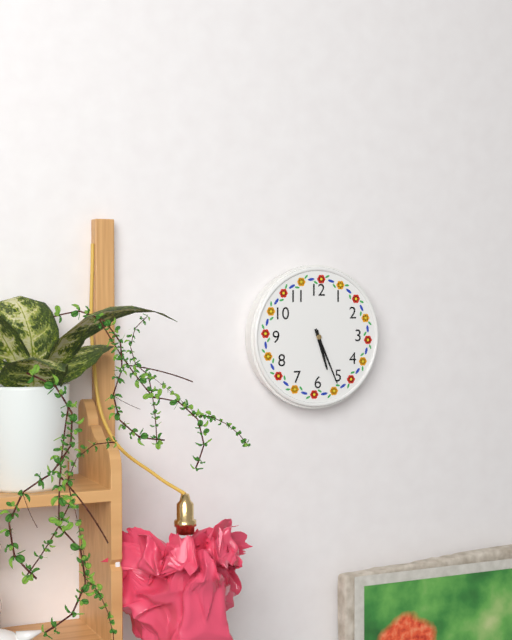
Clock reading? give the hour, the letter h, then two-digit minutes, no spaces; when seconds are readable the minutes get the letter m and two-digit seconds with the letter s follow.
5h26
